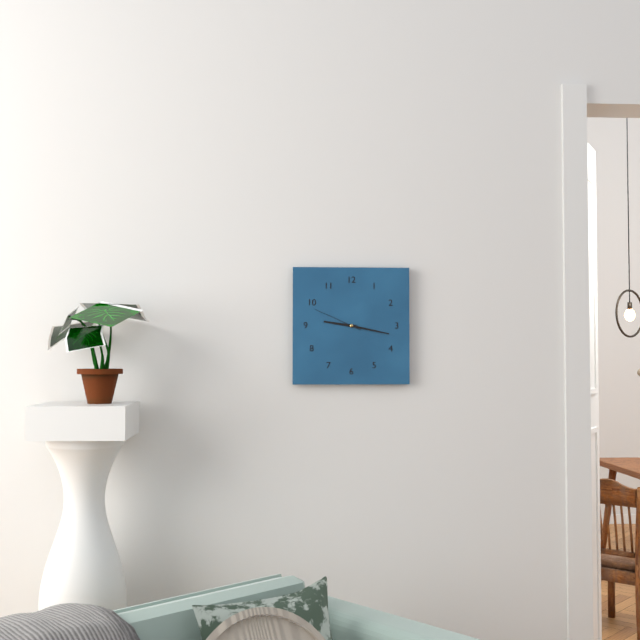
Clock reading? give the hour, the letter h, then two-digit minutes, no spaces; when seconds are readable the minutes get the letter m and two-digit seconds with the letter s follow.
9h17m49s
